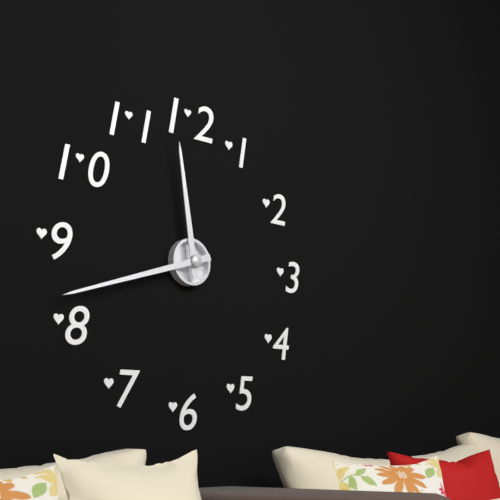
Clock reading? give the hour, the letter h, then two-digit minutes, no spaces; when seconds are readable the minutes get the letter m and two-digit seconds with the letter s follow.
11h42
